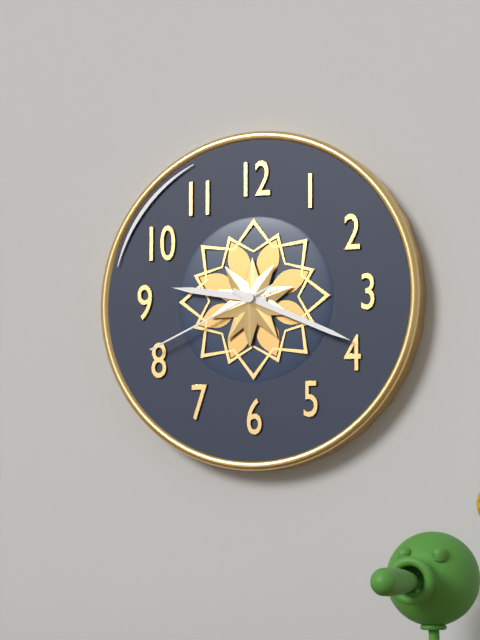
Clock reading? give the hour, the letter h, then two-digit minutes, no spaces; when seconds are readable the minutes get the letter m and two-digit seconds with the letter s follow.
9h19m41s
